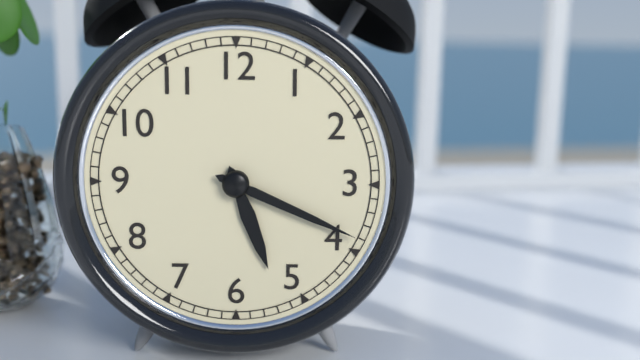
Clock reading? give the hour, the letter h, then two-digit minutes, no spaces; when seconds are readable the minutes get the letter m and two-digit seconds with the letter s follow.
5h19
